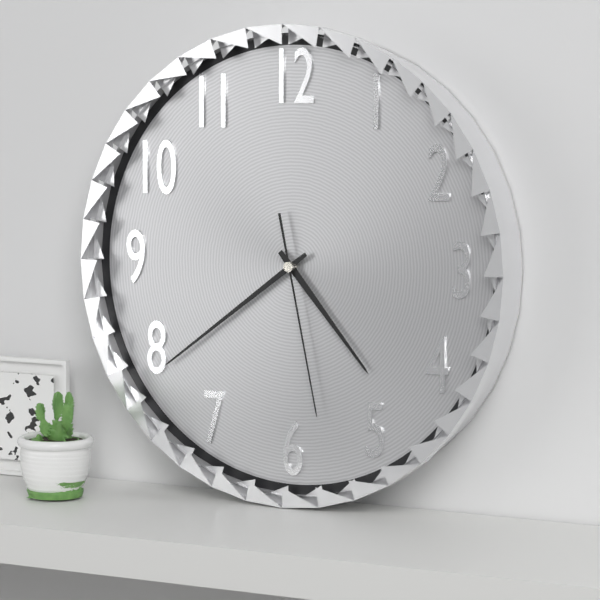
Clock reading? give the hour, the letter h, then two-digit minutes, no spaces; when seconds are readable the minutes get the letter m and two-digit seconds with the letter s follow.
4h39m28s
